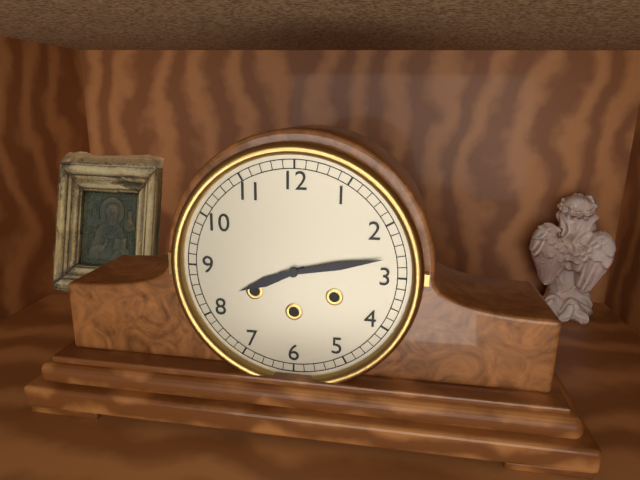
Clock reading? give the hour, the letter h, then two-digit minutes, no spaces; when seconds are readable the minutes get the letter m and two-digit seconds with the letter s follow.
8h13
